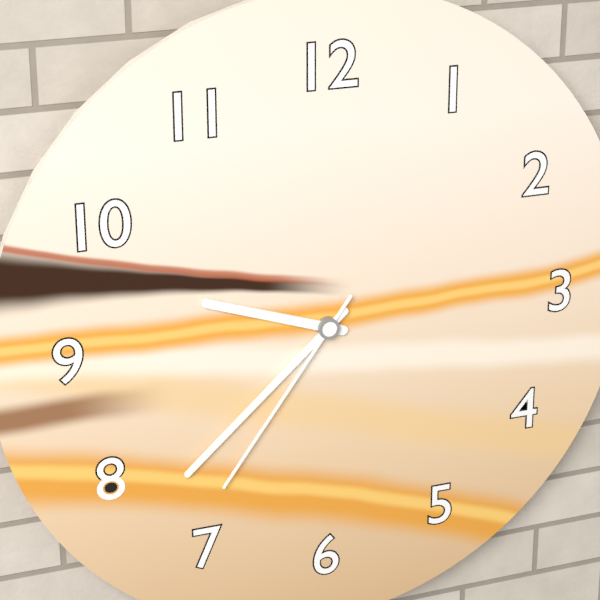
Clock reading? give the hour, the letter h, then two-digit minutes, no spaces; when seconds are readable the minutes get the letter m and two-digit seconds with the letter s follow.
9h38m36s
